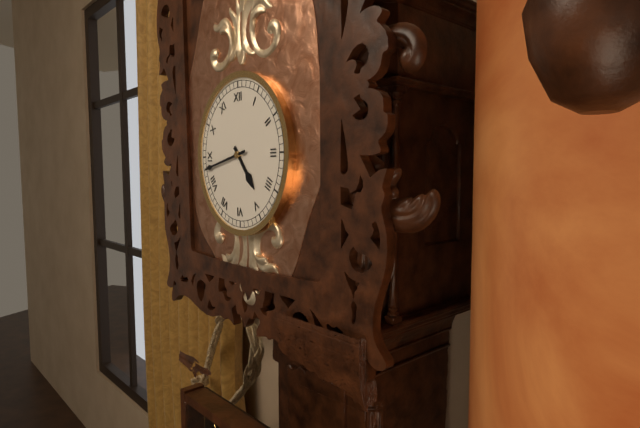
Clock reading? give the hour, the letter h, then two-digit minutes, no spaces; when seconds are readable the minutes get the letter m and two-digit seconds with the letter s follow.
4h43
